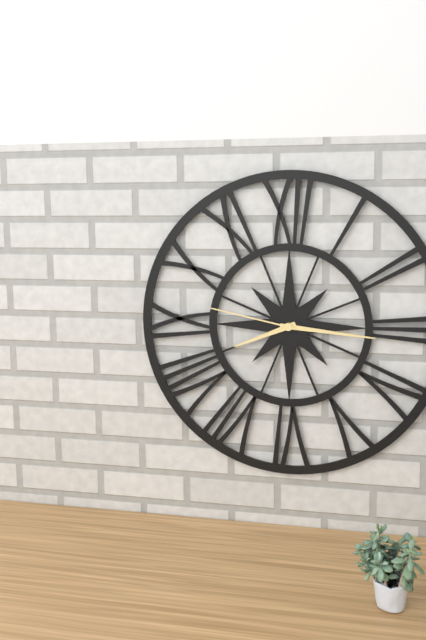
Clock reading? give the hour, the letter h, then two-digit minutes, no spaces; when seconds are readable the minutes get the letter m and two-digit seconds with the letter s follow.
8h16m47s
